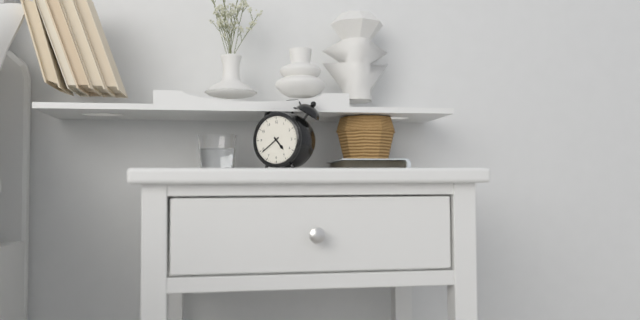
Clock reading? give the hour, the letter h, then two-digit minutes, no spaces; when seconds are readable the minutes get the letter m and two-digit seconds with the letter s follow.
4h39
